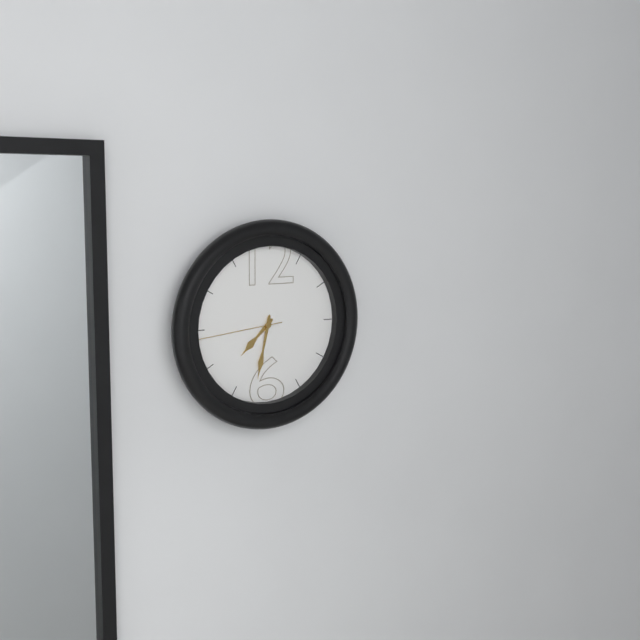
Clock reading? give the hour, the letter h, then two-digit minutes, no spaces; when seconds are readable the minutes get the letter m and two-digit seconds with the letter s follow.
7h32m44s
